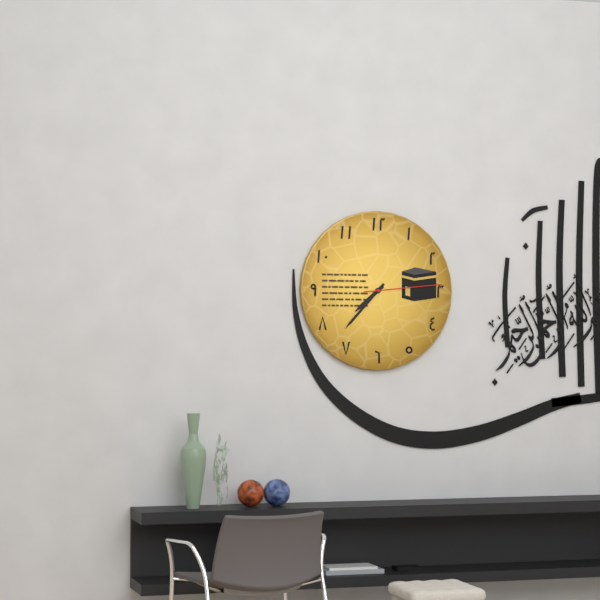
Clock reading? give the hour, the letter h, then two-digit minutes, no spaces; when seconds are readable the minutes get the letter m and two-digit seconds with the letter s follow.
7h37m14s
